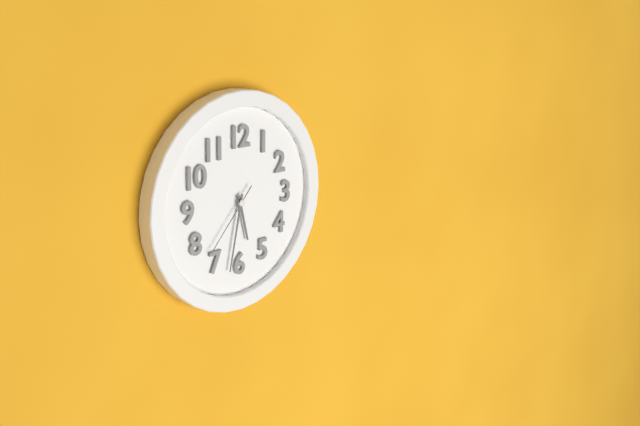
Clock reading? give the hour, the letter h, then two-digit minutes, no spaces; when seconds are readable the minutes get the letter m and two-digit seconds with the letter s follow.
5h32m37s
